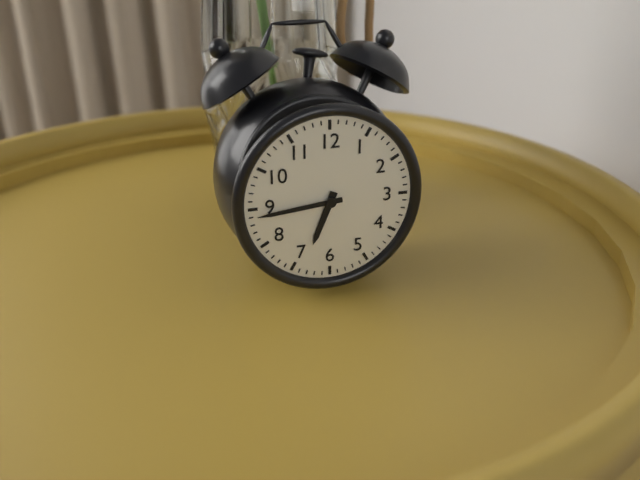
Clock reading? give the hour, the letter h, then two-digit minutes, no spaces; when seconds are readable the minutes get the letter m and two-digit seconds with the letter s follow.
6h44
